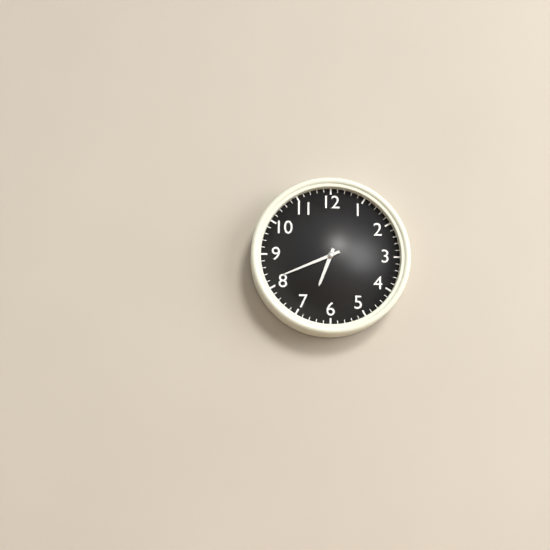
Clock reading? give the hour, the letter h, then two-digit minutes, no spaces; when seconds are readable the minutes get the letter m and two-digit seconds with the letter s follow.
6h41
